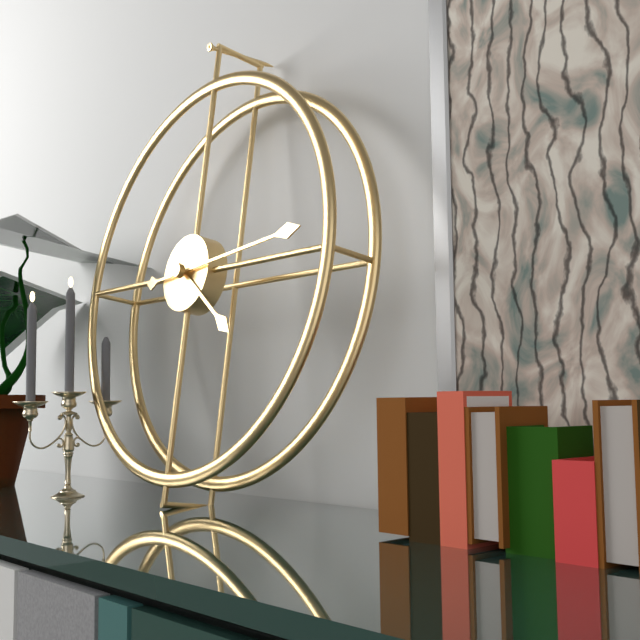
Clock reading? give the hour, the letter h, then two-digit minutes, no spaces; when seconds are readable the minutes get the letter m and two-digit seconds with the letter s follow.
4h14
